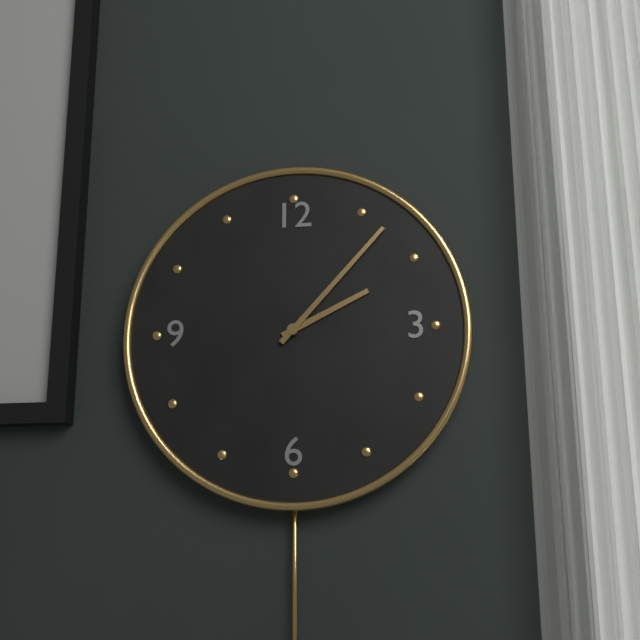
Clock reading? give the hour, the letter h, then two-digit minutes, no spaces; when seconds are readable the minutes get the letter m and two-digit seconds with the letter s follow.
2h07
